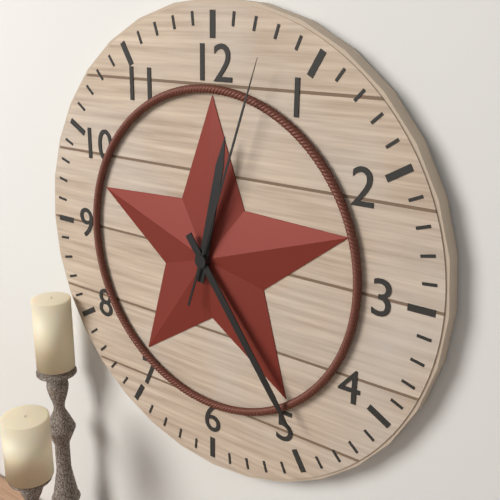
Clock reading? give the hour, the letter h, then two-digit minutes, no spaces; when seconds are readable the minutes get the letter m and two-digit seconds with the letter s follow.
12h24m03s
